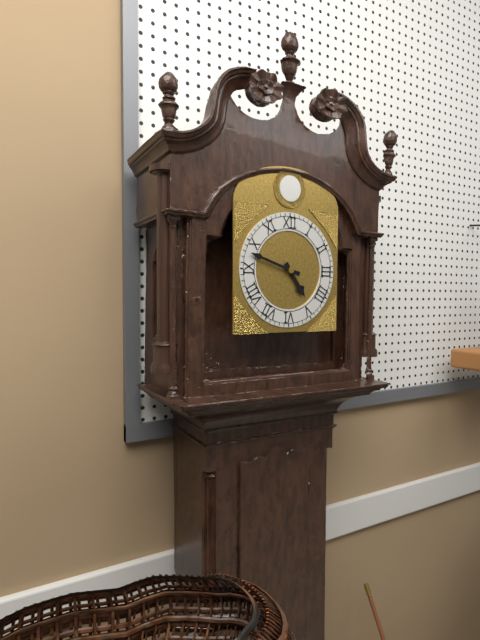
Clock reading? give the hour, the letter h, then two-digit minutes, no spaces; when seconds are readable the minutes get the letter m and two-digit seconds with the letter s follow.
4h48
